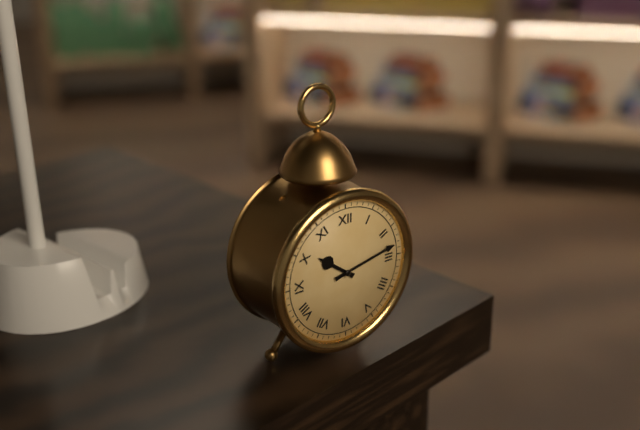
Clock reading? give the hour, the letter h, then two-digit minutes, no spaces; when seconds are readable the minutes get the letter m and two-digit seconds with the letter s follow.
10h13
